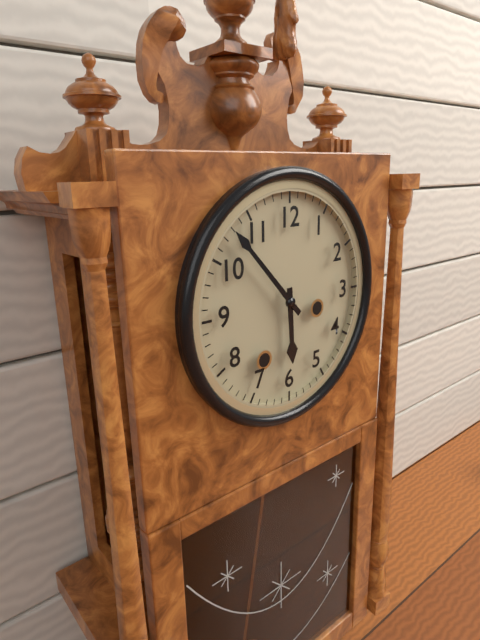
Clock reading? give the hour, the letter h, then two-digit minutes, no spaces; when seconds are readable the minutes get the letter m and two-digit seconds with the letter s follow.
5h53
